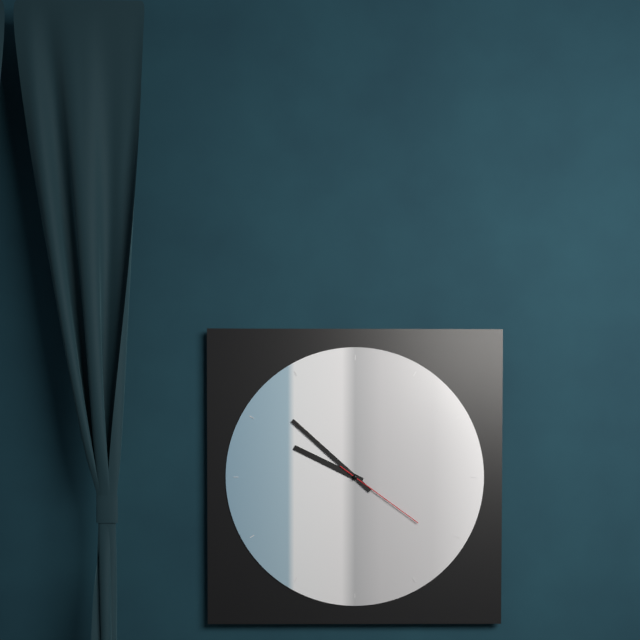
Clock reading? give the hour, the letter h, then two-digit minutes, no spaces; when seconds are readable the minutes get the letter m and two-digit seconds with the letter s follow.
9h52m21s
